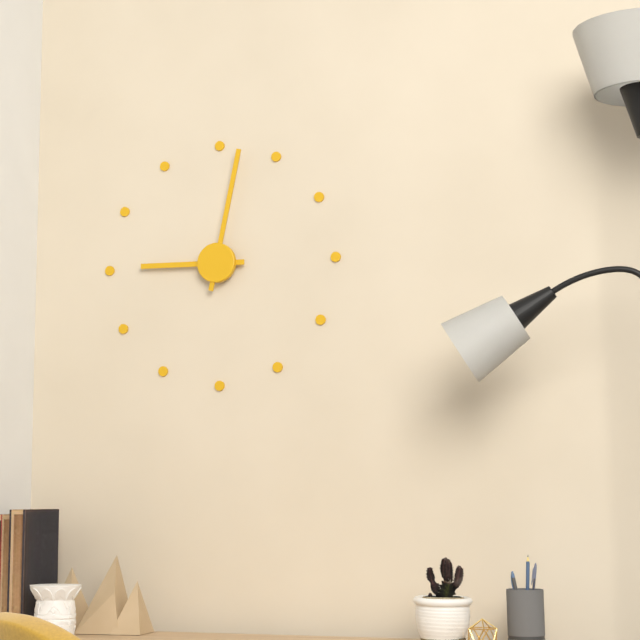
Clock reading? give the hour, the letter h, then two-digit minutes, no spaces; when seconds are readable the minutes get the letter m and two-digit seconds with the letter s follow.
9h02
